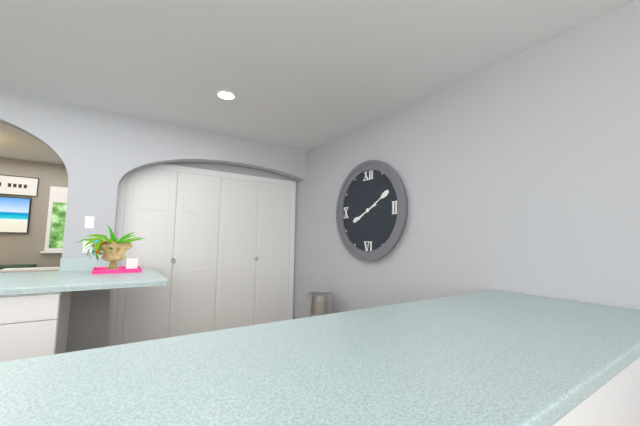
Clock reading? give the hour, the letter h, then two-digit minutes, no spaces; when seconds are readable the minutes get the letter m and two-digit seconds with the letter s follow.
8h10
